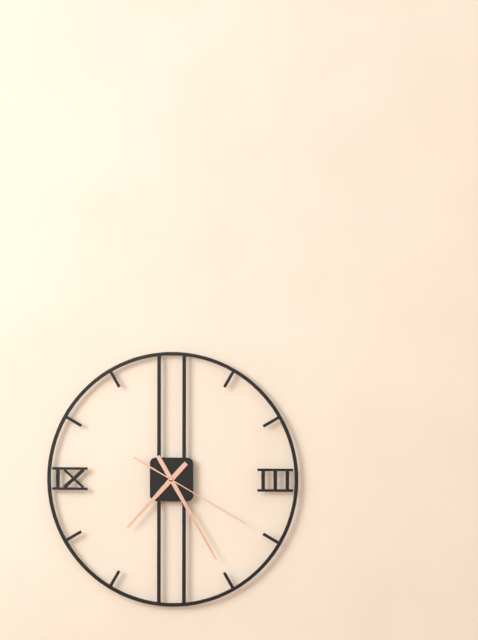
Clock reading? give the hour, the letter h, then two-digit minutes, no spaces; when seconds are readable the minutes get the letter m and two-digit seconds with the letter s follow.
7h25m20s
